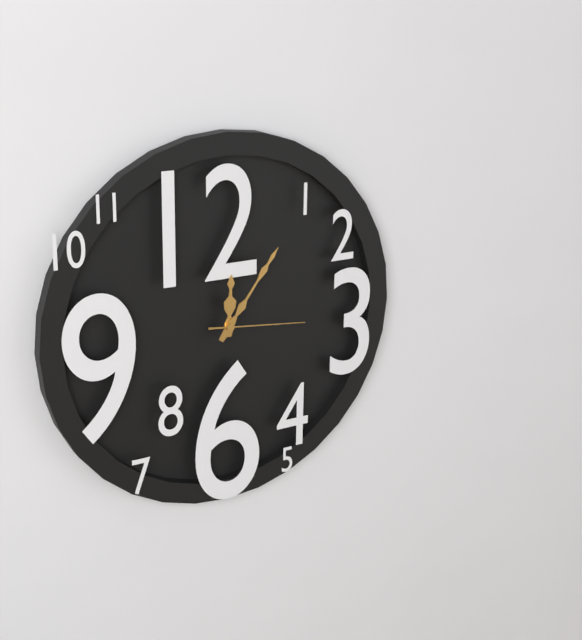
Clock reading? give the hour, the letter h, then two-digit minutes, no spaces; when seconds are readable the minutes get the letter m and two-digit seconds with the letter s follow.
12h06m16s
